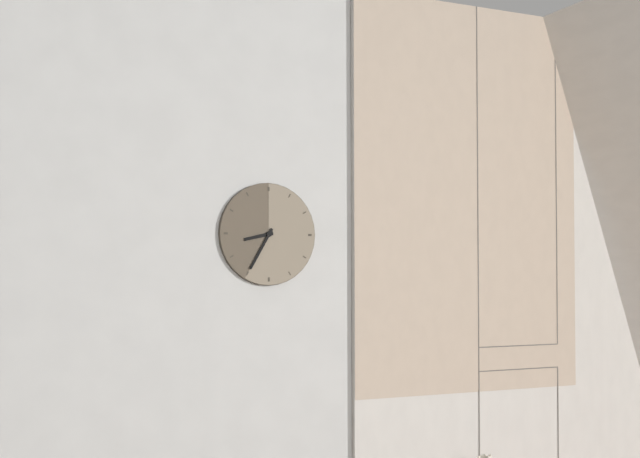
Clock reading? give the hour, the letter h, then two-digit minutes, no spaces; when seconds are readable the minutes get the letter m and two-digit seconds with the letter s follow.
8h35
